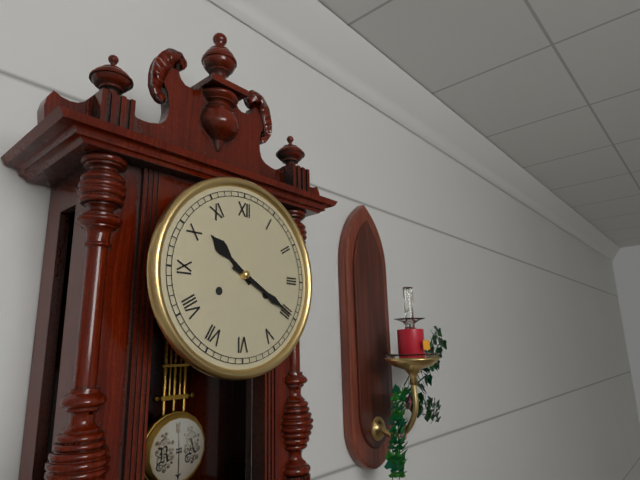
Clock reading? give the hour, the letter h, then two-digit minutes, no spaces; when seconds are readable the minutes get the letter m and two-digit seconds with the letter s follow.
10h20
